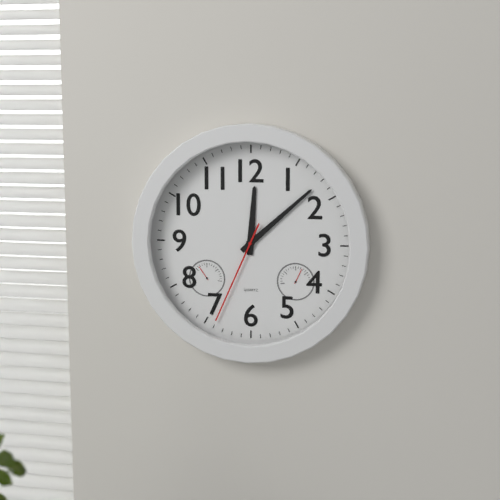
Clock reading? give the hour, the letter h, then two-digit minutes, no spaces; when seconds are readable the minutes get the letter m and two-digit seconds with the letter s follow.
12h08m34s
